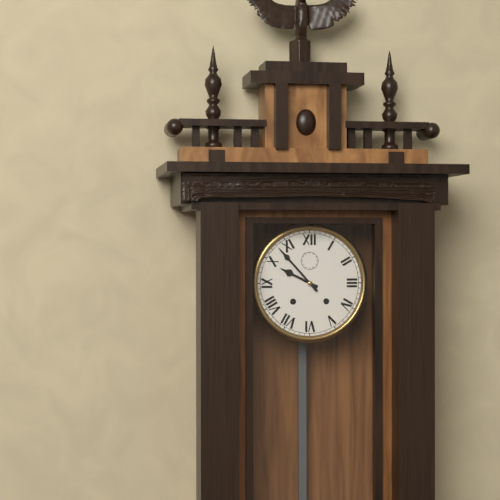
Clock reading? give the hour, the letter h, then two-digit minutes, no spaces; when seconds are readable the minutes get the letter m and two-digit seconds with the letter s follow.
9h53
